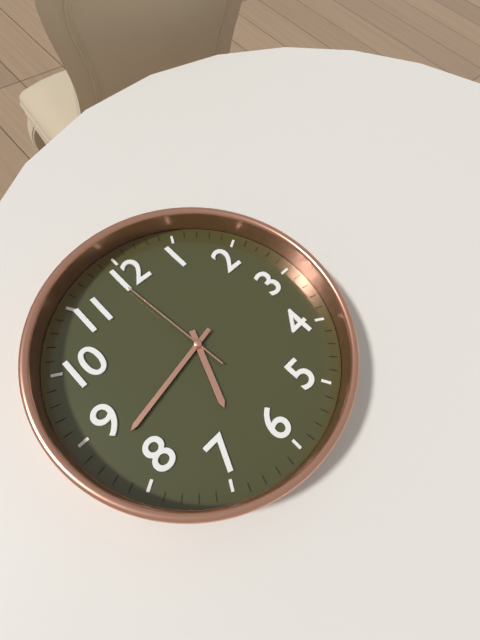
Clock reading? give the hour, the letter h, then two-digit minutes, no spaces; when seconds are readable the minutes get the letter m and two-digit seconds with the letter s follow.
6h43m59s
